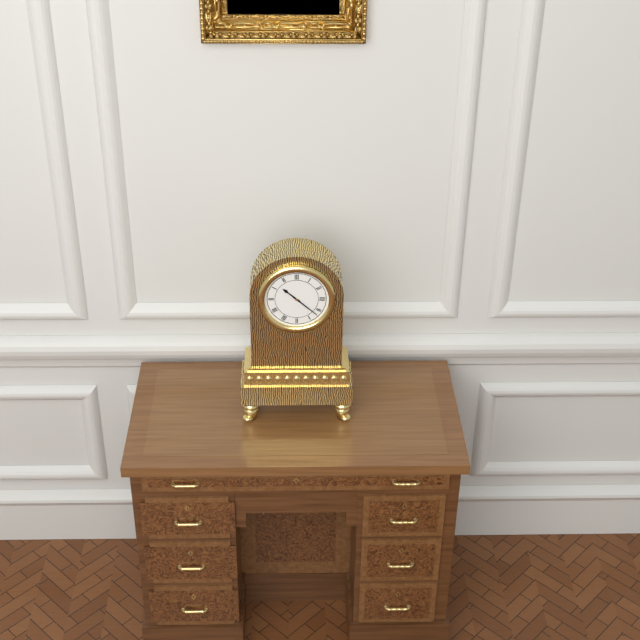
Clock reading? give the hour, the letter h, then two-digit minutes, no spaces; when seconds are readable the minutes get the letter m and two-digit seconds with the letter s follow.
10h22
